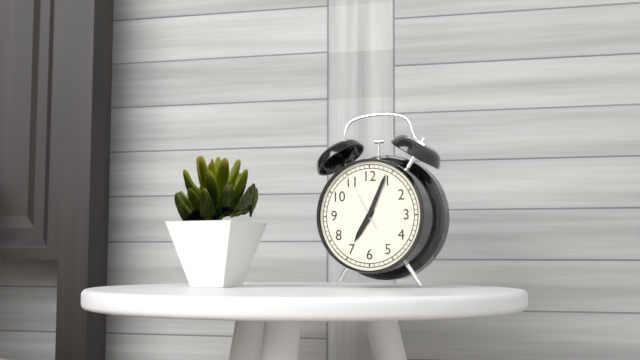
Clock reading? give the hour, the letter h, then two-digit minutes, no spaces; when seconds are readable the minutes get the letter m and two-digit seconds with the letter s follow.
7h04m55s
